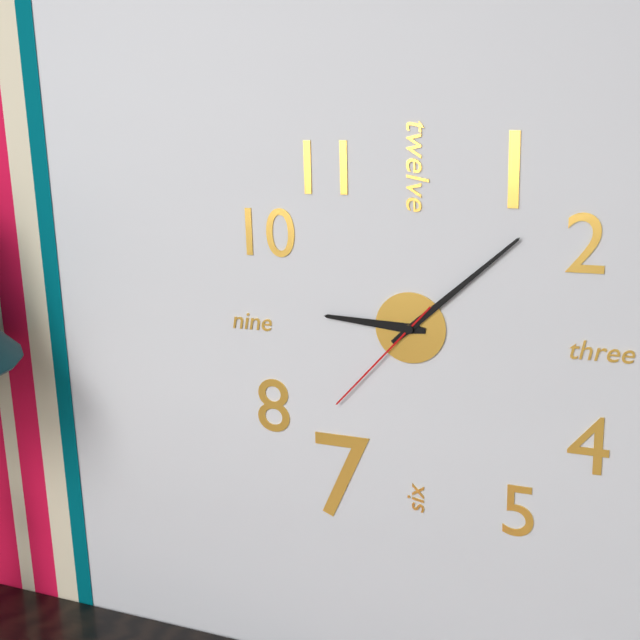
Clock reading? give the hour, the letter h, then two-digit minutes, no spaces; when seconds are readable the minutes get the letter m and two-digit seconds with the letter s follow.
9h08m37s
